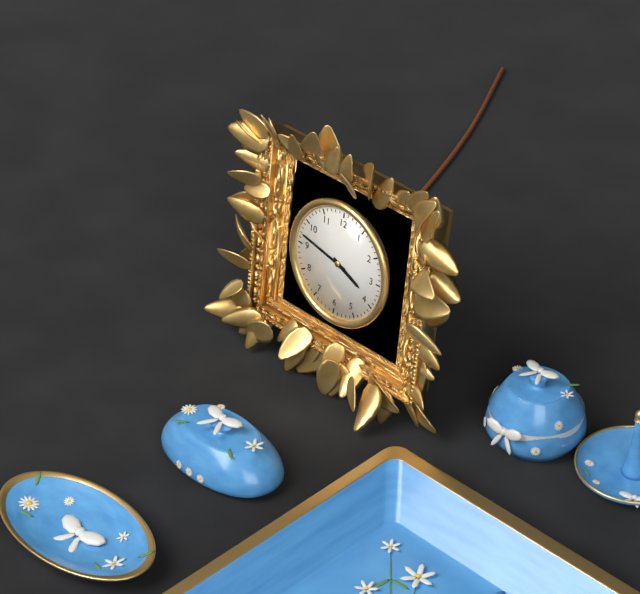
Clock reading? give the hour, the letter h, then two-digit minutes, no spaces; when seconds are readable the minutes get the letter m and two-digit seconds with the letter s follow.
3h47
